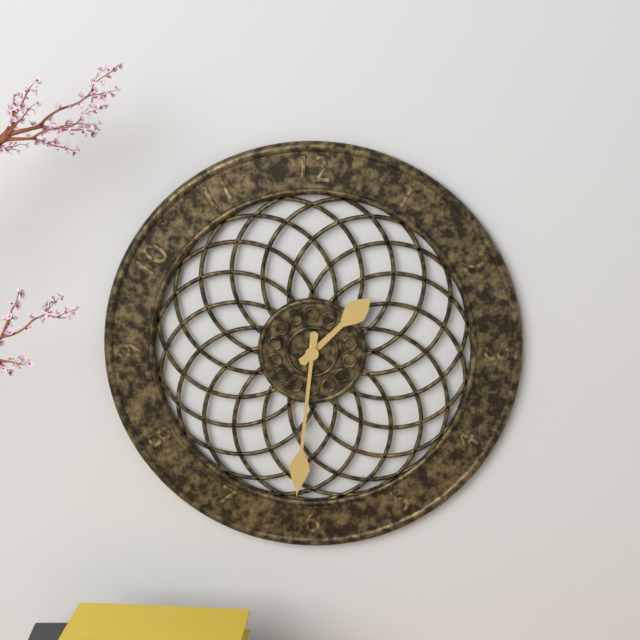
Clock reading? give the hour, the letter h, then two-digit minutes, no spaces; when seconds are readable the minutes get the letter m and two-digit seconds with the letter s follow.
1h31
